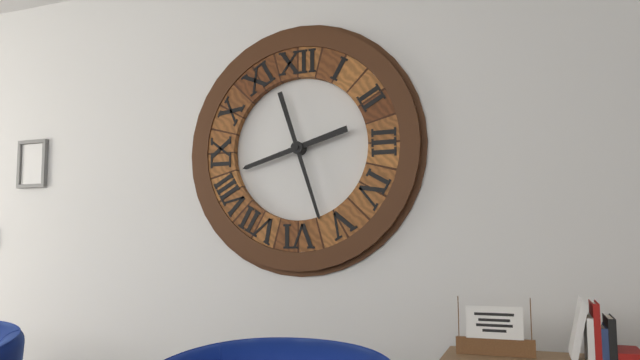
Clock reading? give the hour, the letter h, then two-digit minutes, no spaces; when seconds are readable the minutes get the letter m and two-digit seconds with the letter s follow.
8h27
